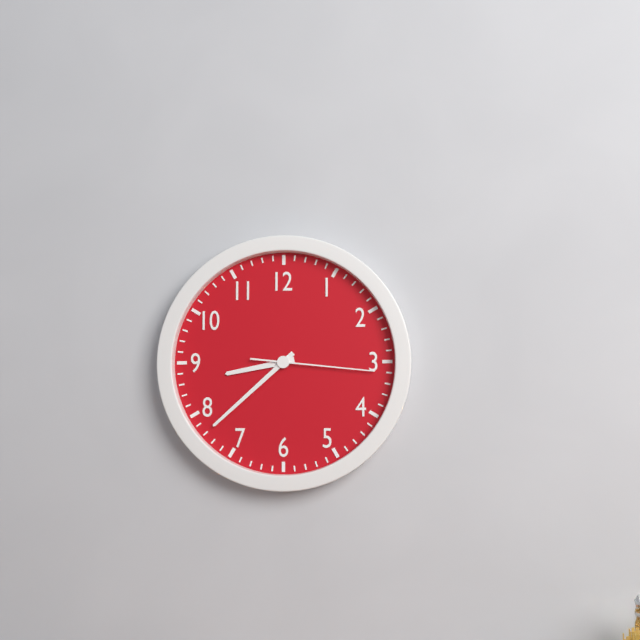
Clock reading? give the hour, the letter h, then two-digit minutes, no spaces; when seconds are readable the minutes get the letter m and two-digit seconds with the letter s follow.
8h38m16s
